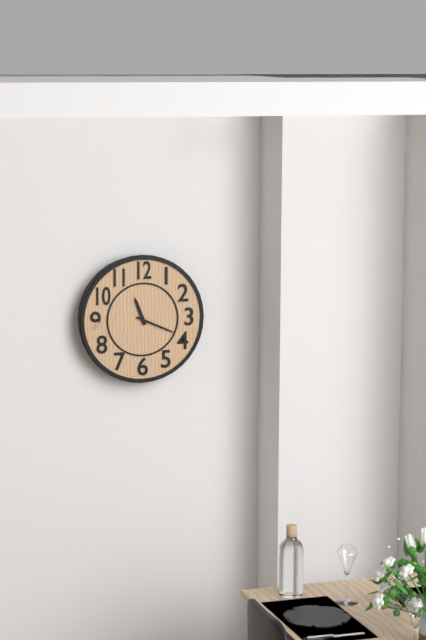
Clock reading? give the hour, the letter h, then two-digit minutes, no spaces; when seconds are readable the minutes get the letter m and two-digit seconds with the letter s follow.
11h19
